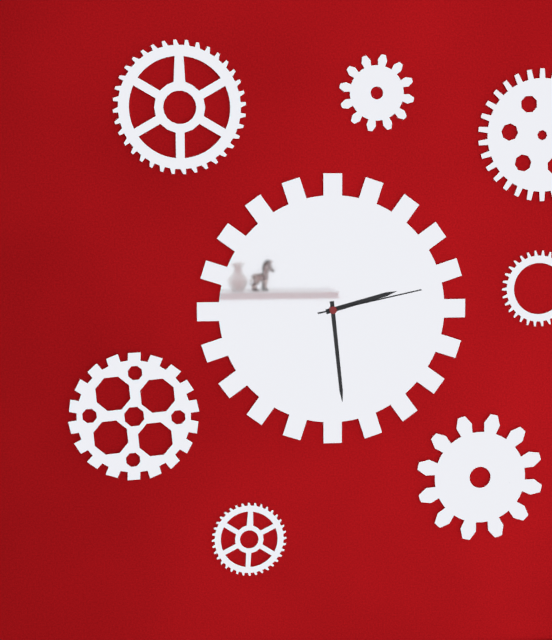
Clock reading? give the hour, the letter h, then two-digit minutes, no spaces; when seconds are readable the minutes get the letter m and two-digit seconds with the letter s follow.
2h29m13s
